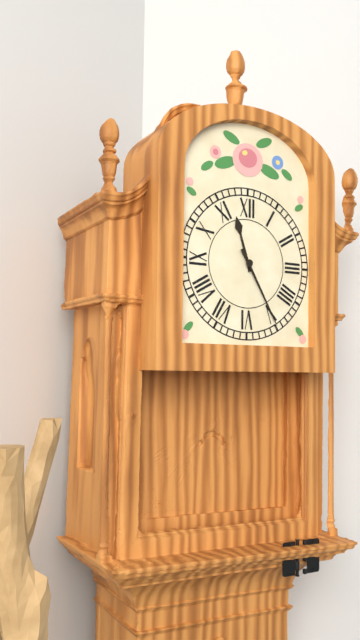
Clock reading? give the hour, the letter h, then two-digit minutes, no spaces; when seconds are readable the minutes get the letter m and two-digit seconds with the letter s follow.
11h25
